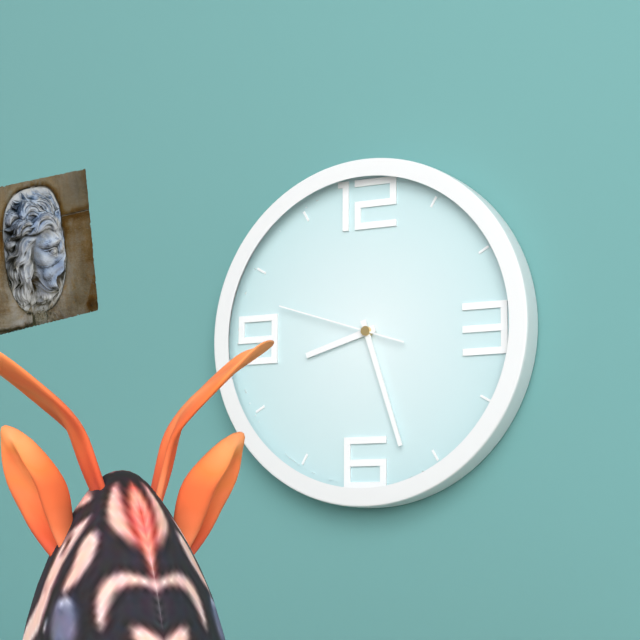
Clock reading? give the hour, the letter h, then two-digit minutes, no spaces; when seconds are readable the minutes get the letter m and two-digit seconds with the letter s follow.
8h27m48s
